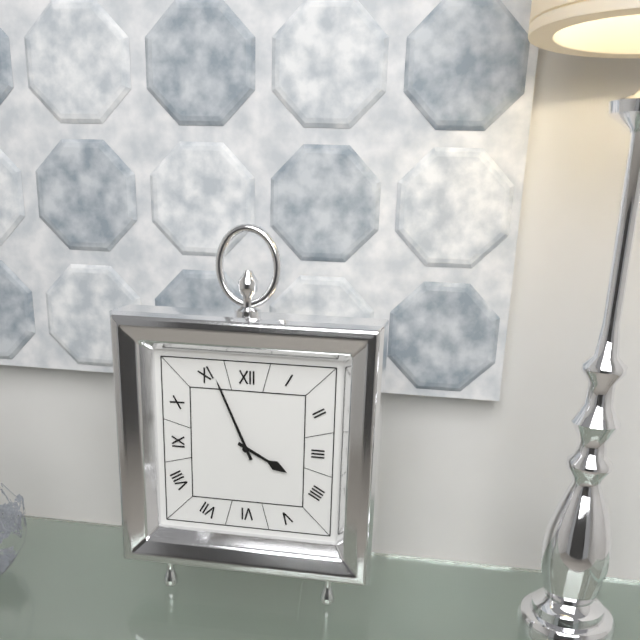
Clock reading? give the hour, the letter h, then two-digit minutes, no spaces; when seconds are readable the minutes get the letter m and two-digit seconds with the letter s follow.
3h56
